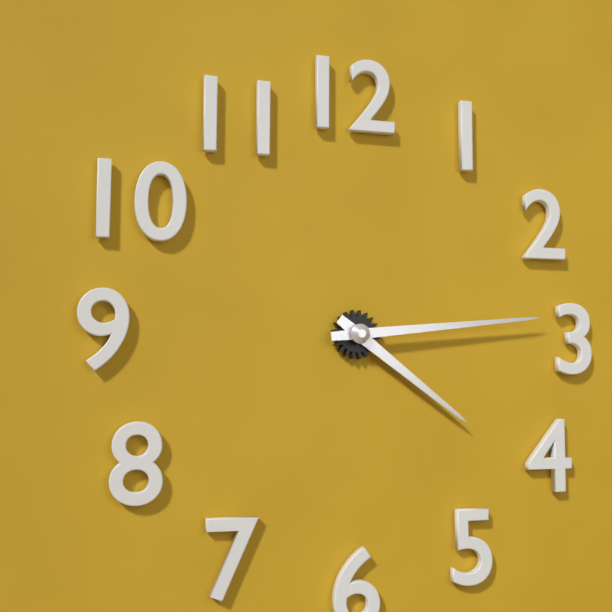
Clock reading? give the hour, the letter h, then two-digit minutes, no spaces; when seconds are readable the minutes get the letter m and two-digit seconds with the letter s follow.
4h14
